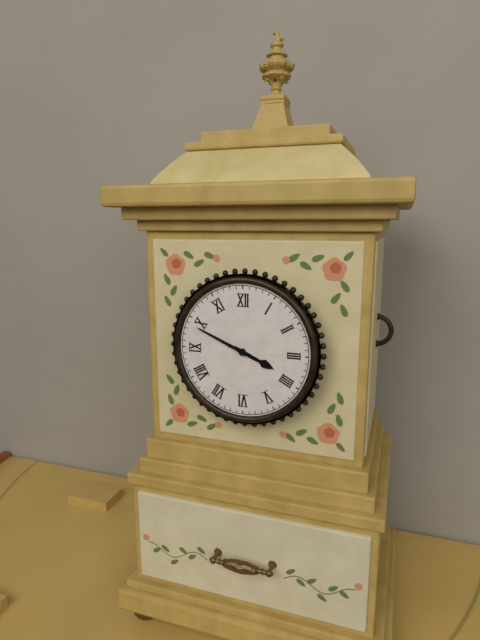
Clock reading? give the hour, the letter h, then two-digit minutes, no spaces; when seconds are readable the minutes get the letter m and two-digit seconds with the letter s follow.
3h49
